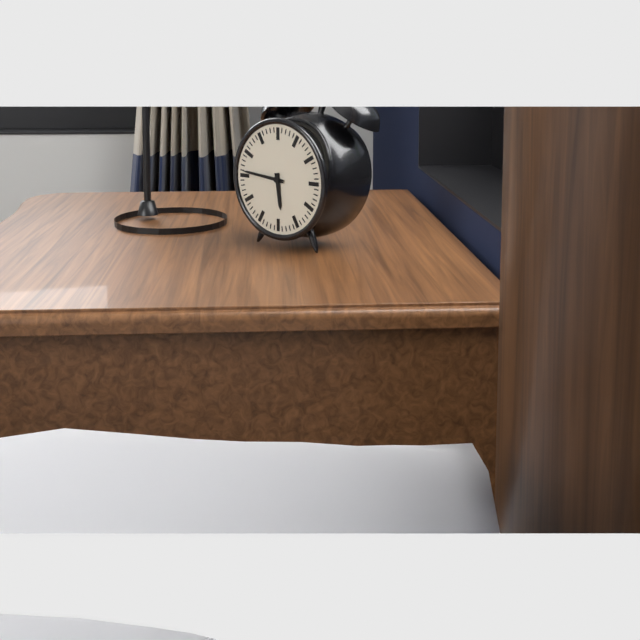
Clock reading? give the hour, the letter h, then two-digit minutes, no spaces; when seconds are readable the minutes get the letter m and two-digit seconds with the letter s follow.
5h46
